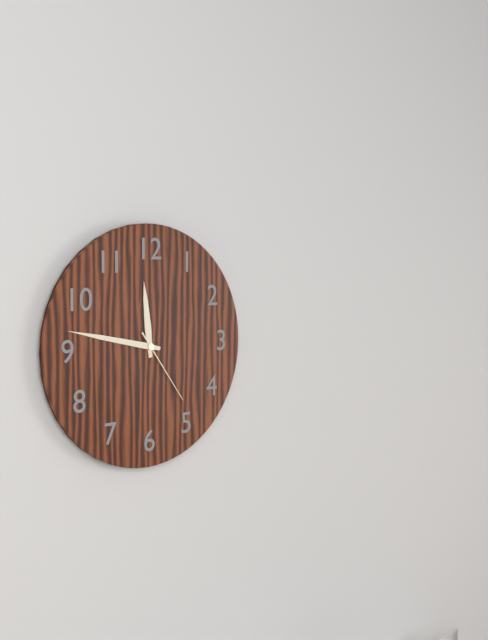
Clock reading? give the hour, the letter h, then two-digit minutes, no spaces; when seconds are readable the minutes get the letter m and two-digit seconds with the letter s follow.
11h47m24s
